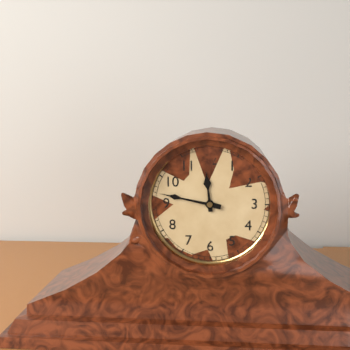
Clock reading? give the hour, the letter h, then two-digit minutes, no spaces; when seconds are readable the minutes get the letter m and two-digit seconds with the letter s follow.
11h47
